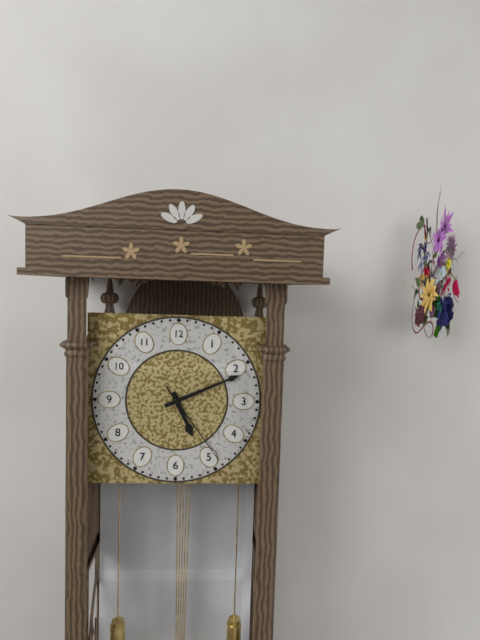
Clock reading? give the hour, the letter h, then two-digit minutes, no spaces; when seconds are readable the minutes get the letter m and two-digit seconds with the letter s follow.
5h11m24s
